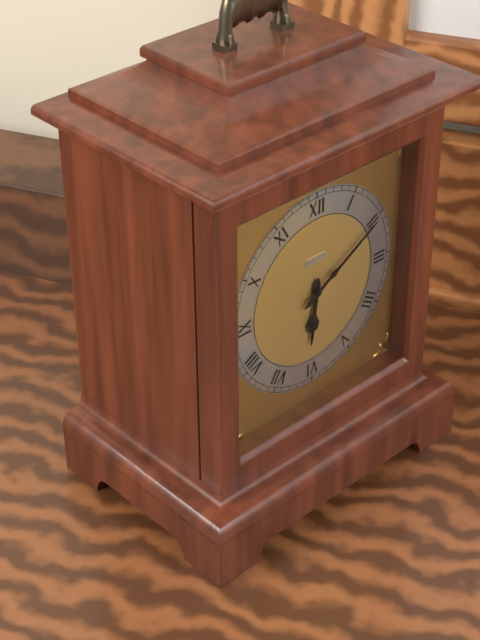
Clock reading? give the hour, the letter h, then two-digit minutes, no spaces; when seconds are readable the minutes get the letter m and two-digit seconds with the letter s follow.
6h10
